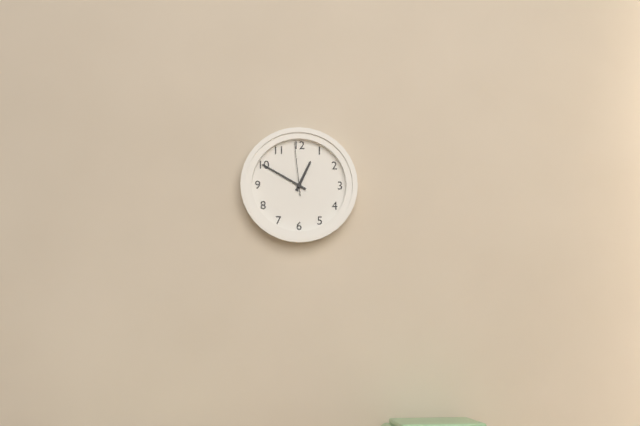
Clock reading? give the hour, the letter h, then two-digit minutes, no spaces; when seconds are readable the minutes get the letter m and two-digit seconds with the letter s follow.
12h50m59s
